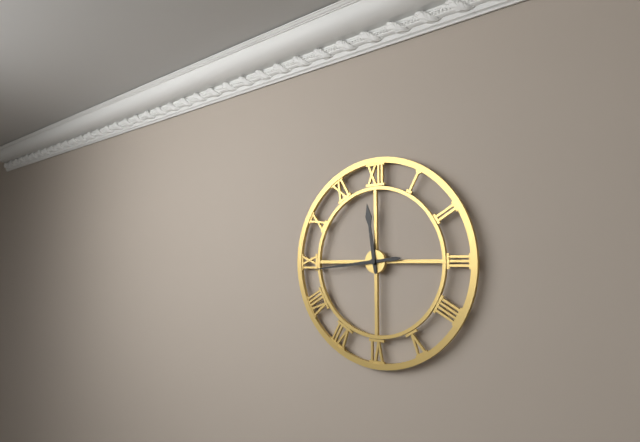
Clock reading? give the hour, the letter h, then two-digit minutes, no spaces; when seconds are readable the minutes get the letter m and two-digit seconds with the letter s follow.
11h44
